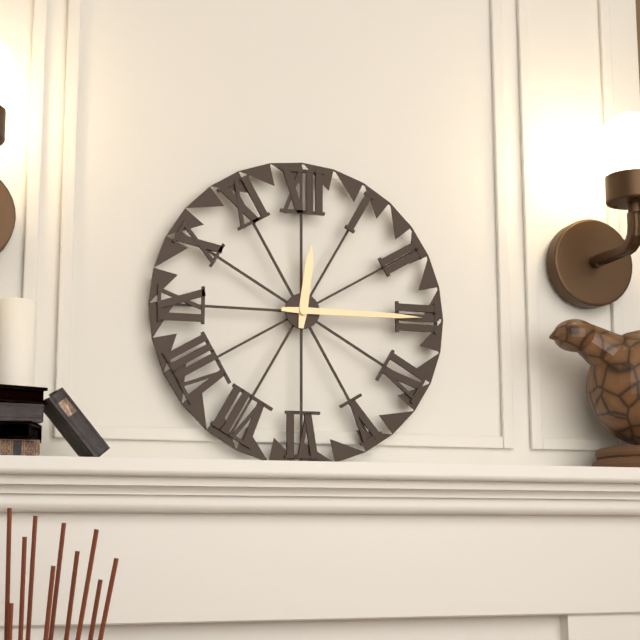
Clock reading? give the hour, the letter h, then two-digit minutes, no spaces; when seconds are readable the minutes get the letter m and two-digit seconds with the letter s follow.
12h15
